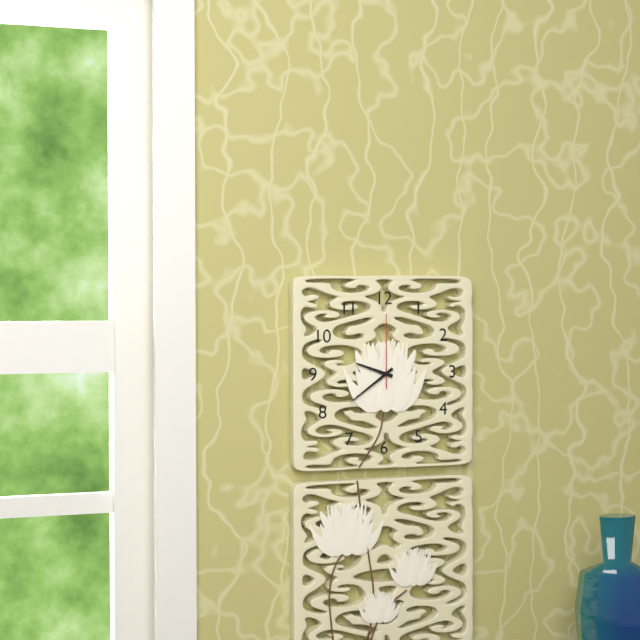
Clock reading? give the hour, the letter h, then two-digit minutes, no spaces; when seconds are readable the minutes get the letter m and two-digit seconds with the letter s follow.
9h39m00s
